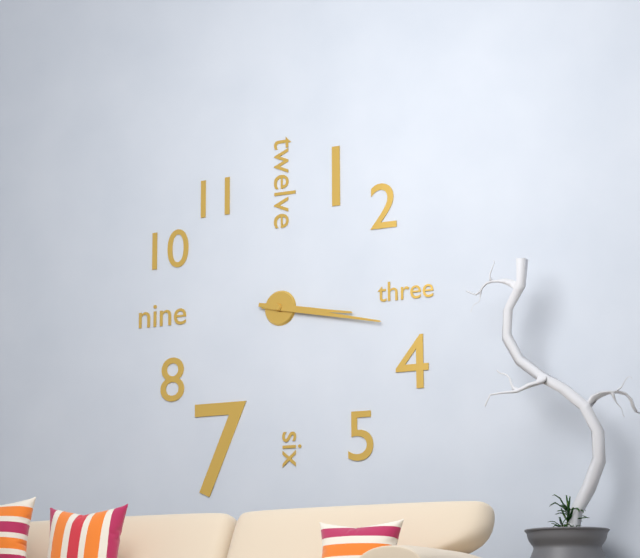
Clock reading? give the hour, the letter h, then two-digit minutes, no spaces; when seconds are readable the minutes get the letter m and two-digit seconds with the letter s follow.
3h17
